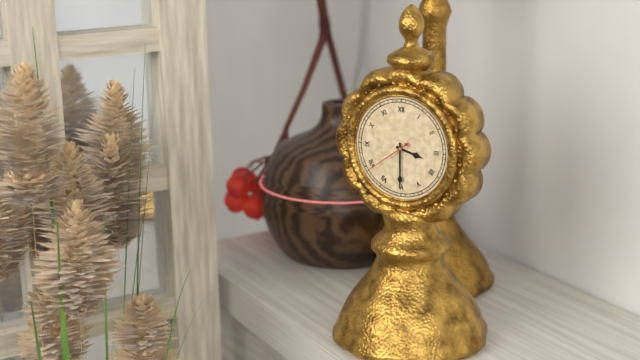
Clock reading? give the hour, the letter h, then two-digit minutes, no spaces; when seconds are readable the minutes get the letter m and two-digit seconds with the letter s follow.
3h30
